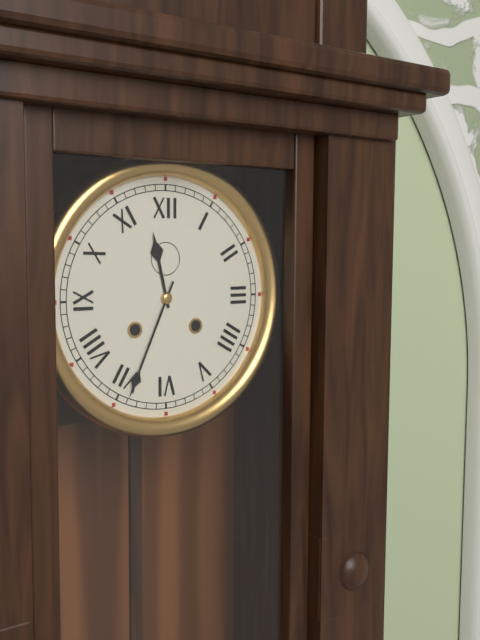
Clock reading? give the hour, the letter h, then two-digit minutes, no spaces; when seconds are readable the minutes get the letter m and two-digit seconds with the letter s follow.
11h34
